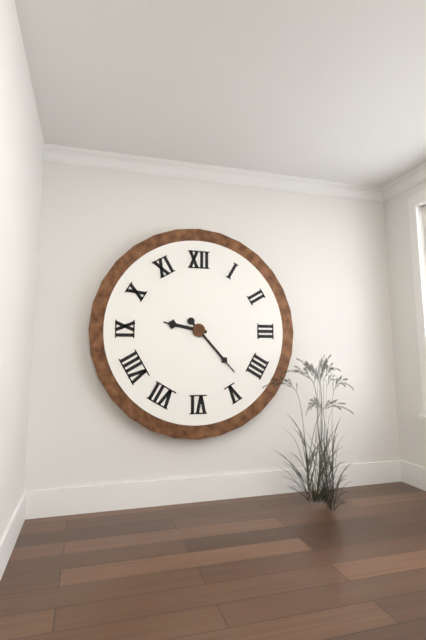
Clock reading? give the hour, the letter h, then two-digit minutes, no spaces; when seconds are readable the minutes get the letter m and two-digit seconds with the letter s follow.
9h23
